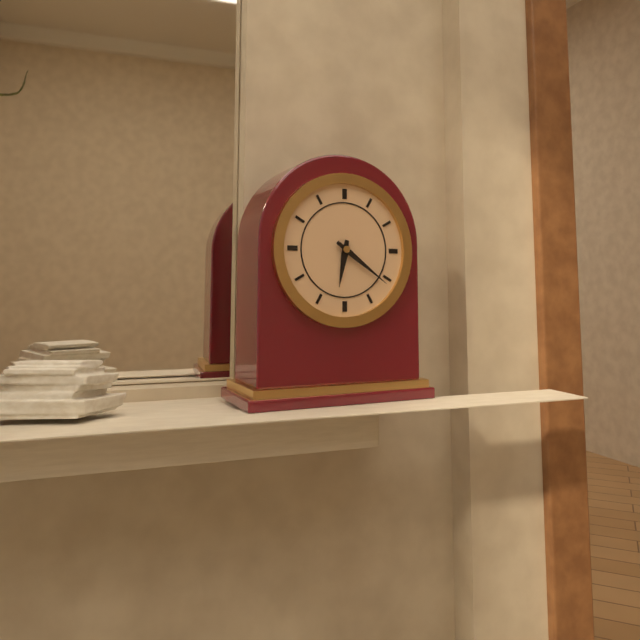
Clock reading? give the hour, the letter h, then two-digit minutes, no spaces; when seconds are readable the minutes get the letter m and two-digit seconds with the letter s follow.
6h21
